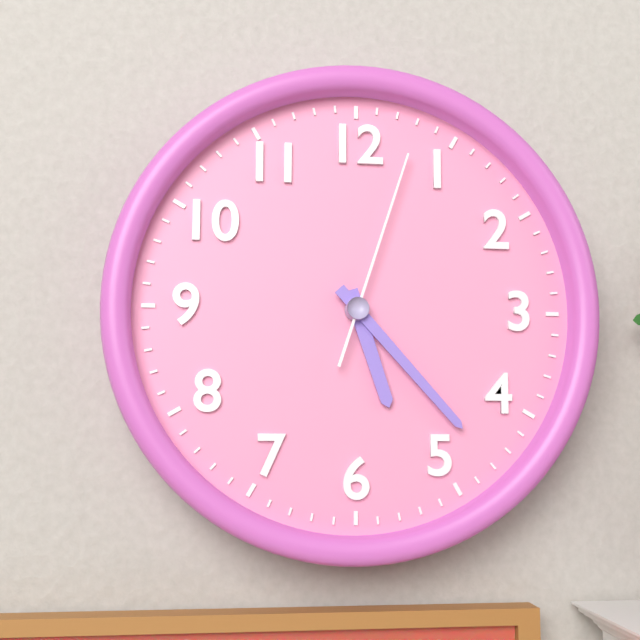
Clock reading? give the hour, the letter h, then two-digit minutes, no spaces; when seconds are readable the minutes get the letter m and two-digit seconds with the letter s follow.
5h23m03s
